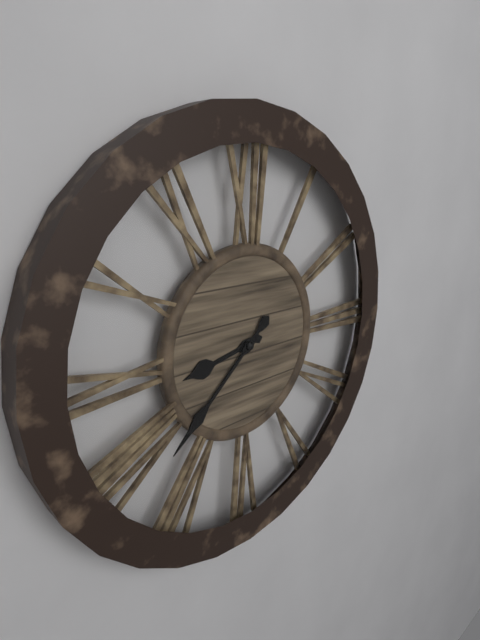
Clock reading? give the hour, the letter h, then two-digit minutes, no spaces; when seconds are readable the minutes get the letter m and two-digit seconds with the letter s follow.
8h38
